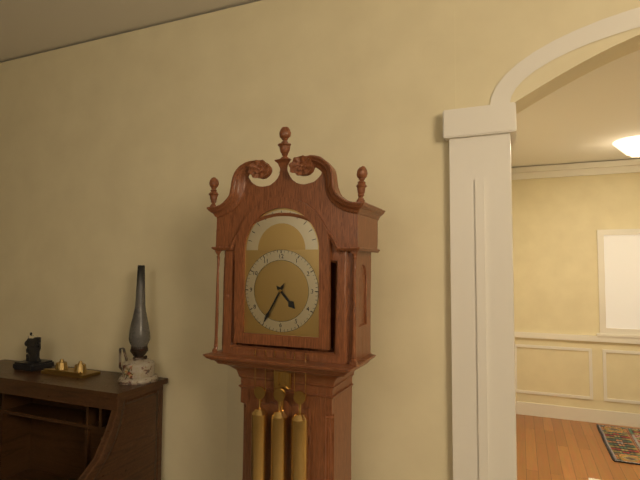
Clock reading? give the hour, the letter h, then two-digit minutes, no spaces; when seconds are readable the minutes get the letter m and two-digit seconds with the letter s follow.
4h35
